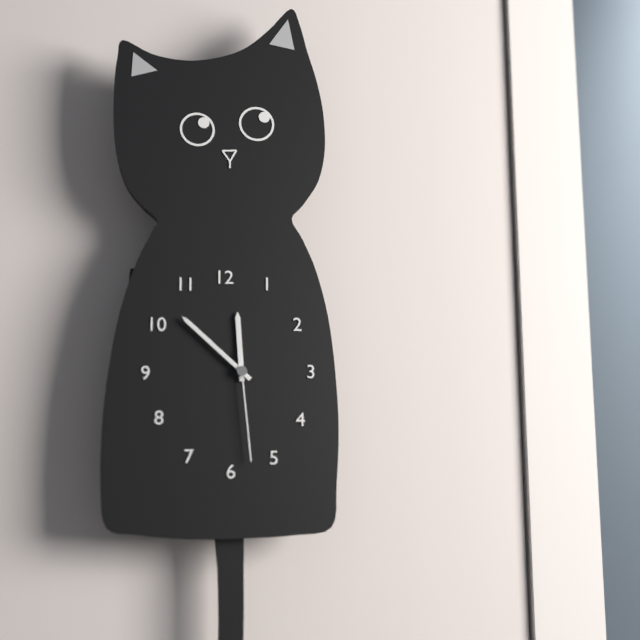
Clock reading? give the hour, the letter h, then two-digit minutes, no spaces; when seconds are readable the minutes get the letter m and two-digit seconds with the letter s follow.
11h52m29s
